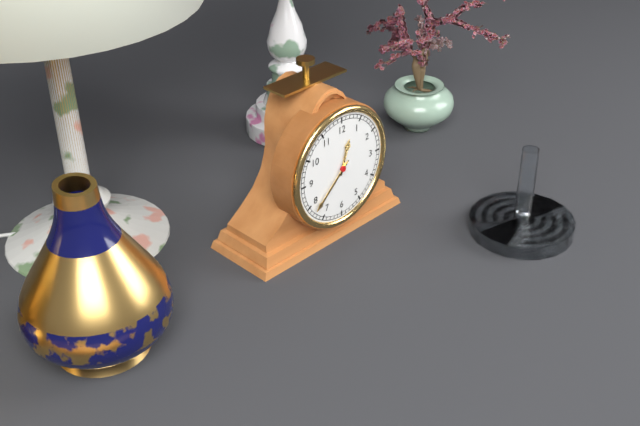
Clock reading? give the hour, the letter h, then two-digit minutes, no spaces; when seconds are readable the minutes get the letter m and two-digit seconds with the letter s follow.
12h38
